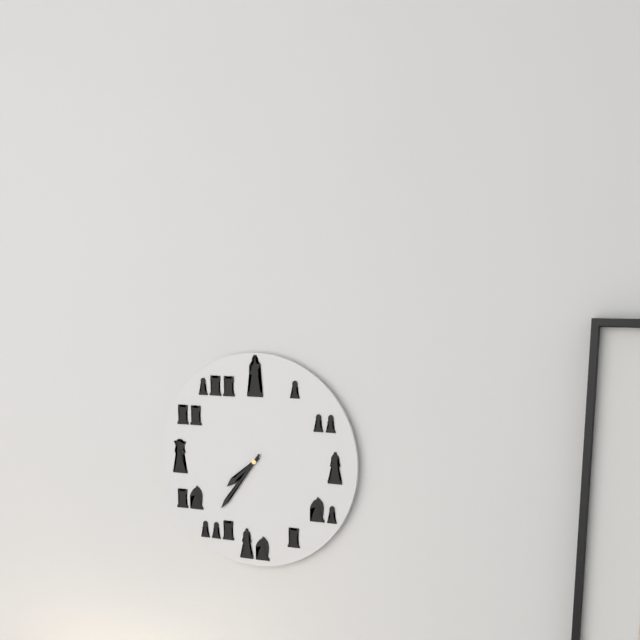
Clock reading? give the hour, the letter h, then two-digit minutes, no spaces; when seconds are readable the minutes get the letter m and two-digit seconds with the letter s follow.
7h36
